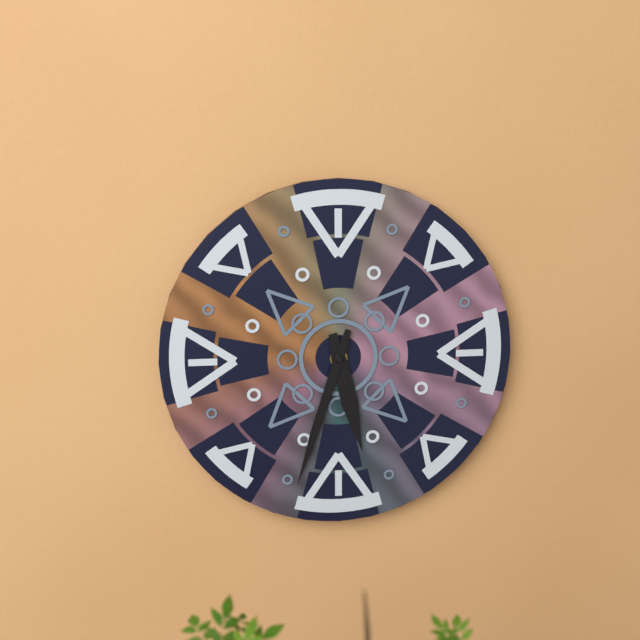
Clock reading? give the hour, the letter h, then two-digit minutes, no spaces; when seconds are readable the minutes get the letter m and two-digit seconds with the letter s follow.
5h33
